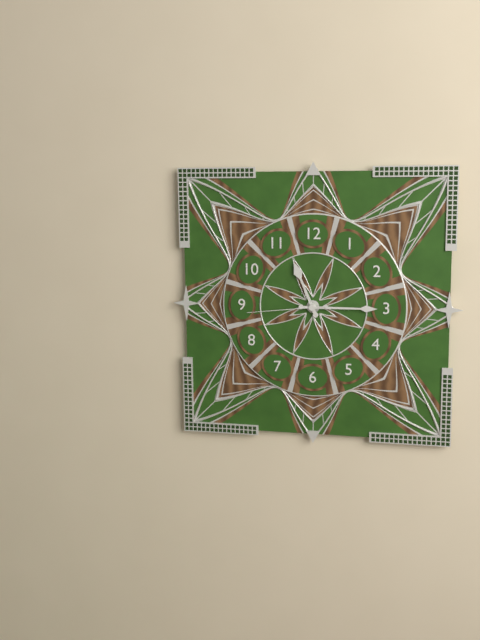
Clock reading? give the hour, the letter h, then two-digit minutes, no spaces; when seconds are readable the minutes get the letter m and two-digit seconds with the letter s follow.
11h15m44s
